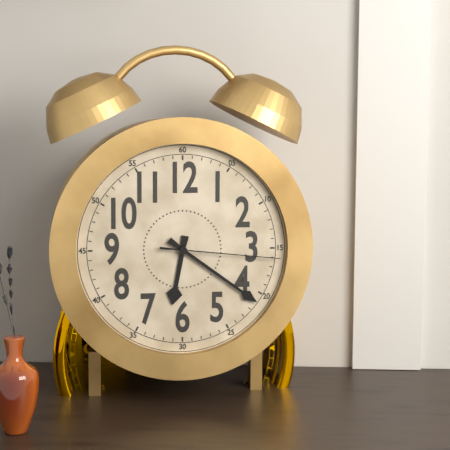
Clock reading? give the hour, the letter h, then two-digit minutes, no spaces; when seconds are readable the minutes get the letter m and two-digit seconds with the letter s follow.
6h21m16s
